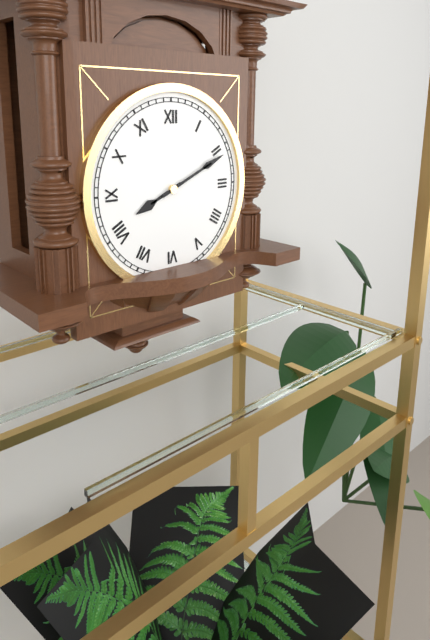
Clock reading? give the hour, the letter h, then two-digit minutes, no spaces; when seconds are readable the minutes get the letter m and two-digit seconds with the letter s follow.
8h11
